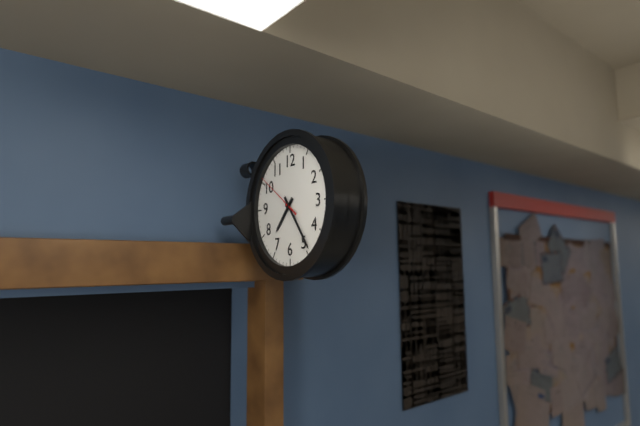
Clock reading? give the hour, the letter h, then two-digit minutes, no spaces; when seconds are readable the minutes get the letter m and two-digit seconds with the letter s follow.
7h24
